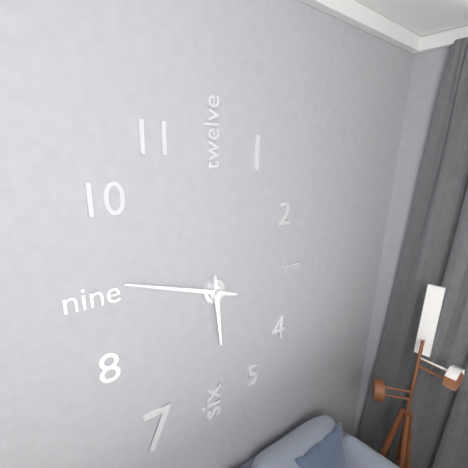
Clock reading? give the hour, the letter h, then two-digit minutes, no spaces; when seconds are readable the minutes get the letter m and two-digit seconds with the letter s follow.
5h48
